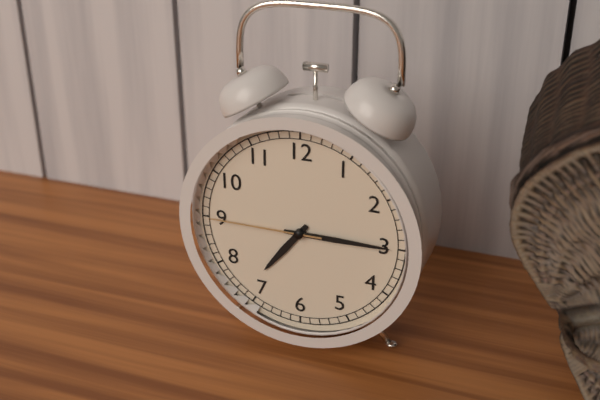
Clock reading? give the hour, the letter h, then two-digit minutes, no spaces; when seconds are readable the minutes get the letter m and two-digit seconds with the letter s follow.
7h15m45s
